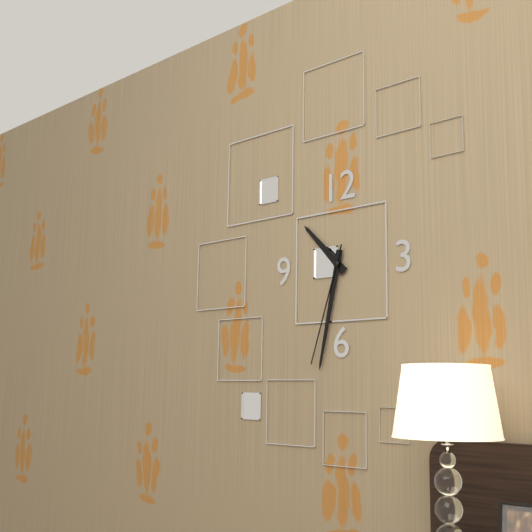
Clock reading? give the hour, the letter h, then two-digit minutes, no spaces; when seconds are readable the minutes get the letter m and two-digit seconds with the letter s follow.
10h32m33s
